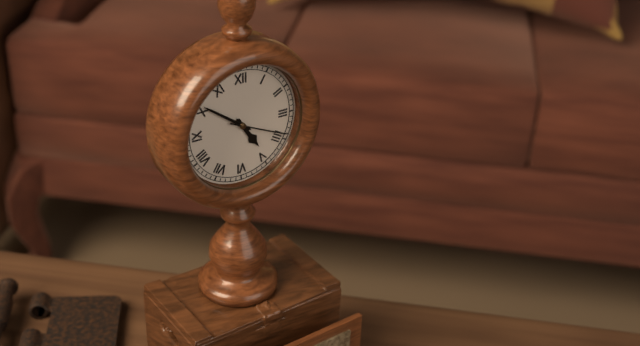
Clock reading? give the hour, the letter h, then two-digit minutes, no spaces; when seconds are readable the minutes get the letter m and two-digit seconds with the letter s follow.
4h51m19s
